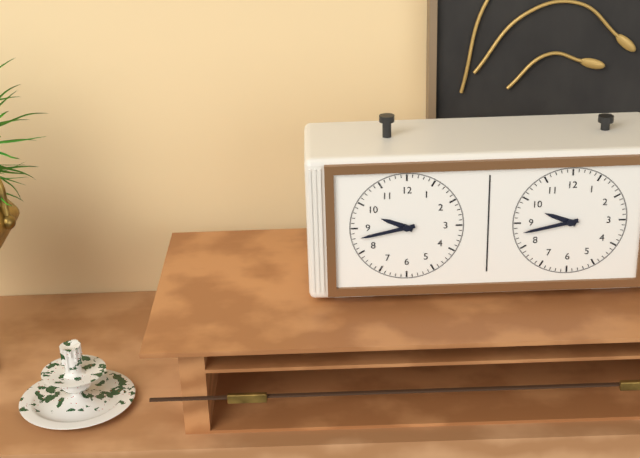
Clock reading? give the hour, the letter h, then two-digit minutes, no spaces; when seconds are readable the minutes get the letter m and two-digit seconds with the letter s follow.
9h43
